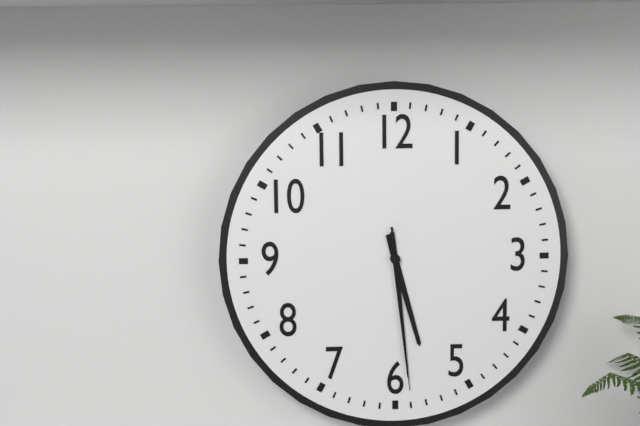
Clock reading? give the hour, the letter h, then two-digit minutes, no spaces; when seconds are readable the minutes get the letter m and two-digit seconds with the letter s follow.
5h29m29s
